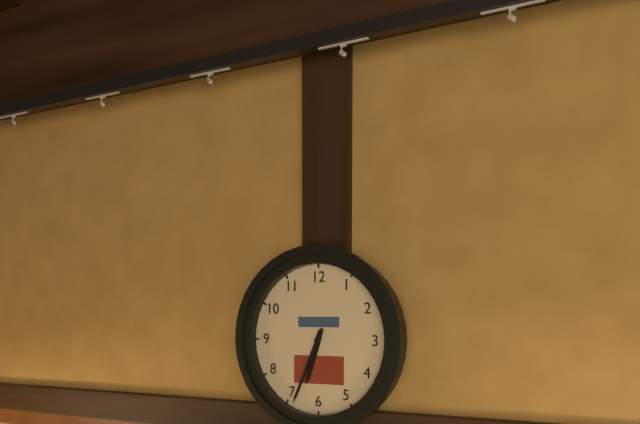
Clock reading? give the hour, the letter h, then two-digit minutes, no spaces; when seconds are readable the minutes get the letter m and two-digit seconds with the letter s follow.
6h34
